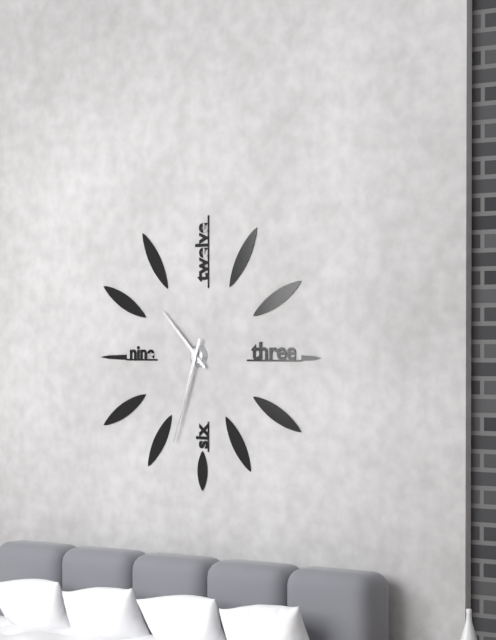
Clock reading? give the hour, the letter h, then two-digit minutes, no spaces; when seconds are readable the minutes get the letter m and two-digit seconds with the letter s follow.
10h33
